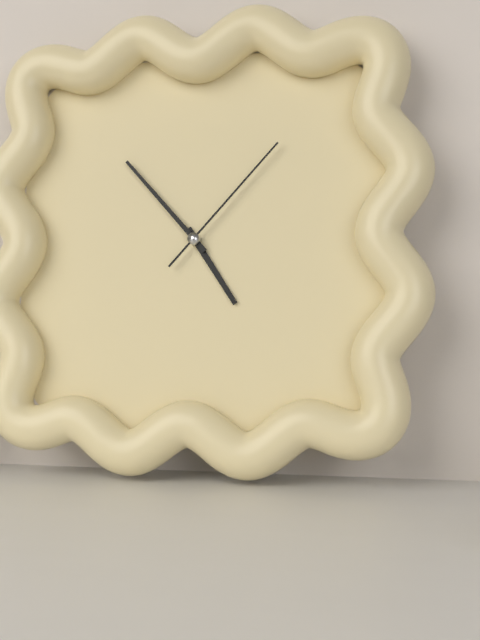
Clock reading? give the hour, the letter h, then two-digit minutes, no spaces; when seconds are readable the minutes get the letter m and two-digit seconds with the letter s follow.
4h53m07s
